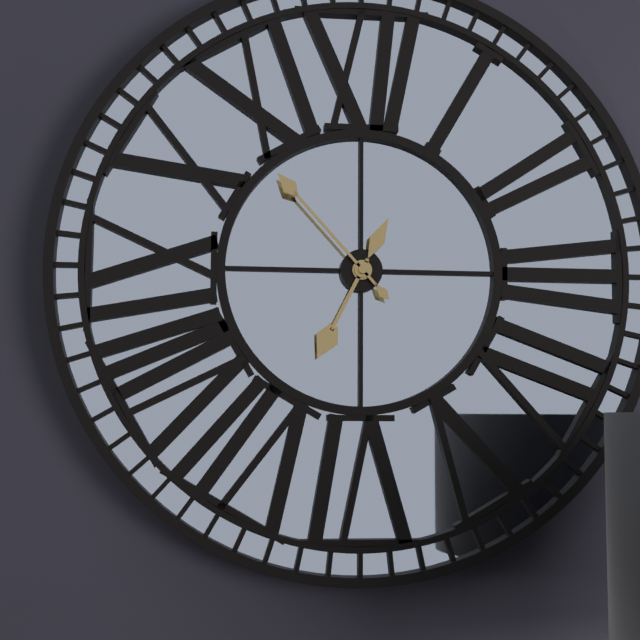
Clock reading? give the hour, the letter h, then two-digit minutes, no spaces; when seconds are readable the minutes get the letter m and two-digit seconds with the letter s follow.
6h53
